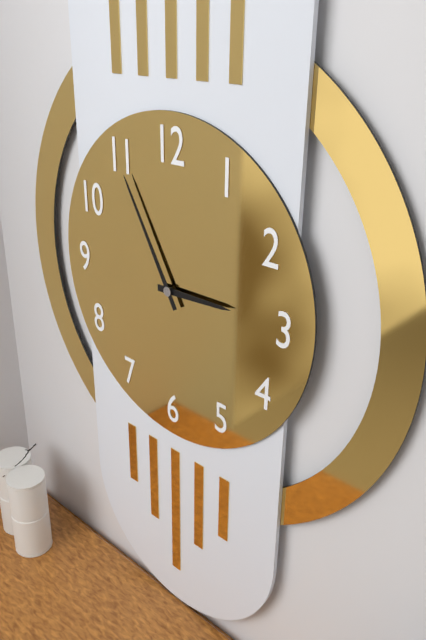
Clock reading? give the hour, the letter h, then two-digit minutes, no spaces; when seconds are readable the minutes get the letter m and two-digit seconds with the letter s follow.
2h55
